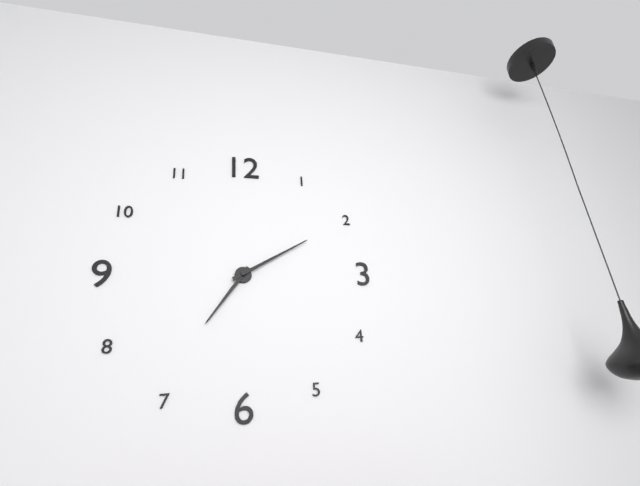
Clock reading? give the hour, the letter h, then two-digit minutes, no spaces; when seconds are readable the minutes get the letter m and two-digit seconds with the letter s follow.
7h10
